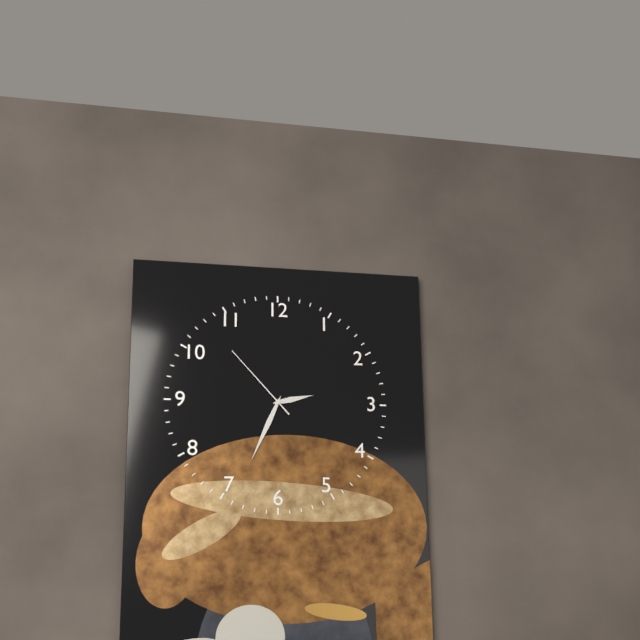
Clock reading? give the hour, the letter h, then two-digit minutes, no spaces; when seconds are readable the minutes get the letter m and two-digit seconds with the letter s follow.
2h34m53s
